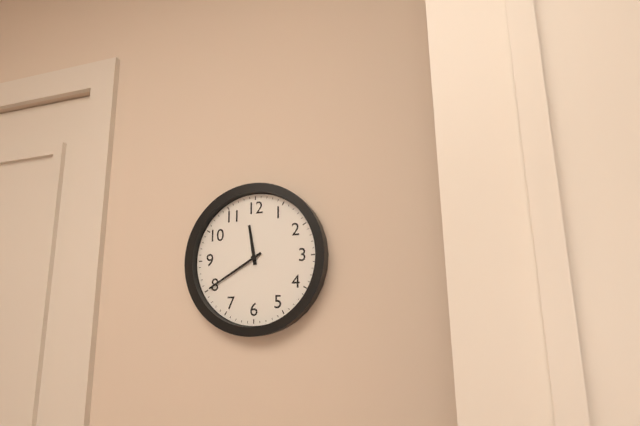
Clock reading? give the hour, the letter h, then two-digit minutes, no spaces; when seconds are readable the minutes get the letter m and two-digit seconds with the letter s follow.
11h40
